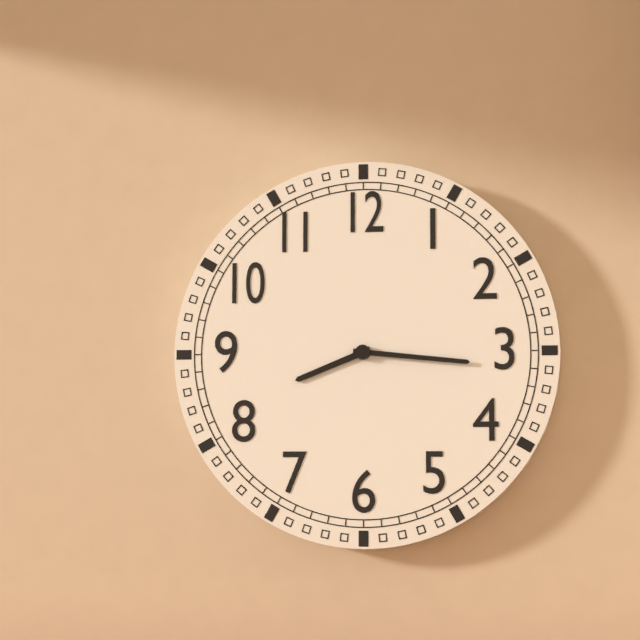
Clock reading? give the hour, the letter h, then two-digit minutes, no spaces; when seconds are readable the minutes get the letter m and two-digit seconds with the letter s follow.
8h16
